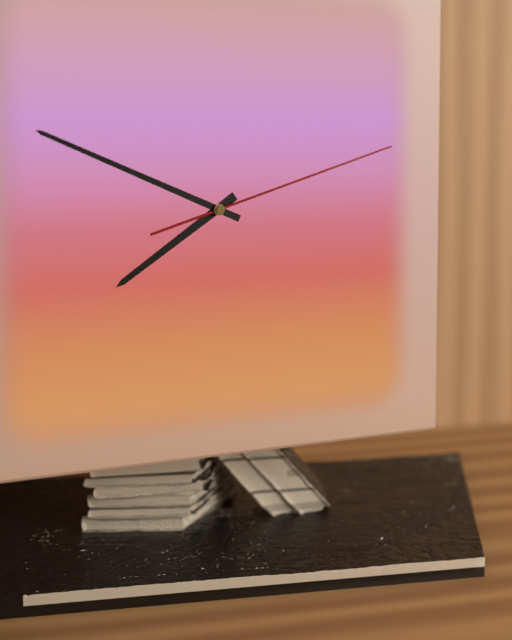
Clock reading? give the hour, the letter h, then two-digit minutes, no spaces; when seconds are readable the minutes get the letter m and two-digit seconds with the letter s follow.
7h49m12s
